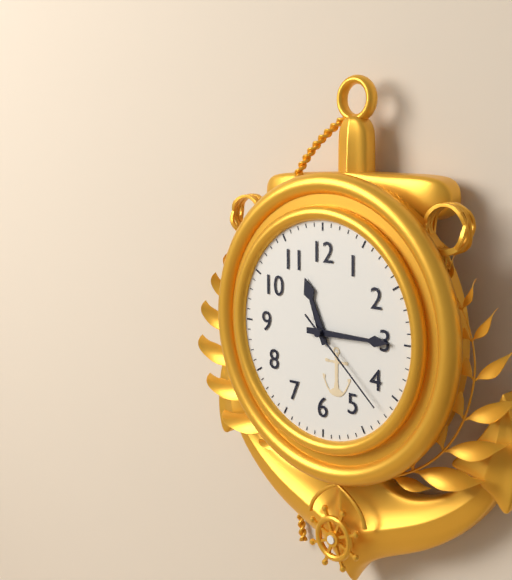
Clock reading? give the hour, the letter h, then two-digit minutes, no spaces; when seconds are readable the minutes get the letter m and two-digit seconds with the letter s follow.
11h15m22s
